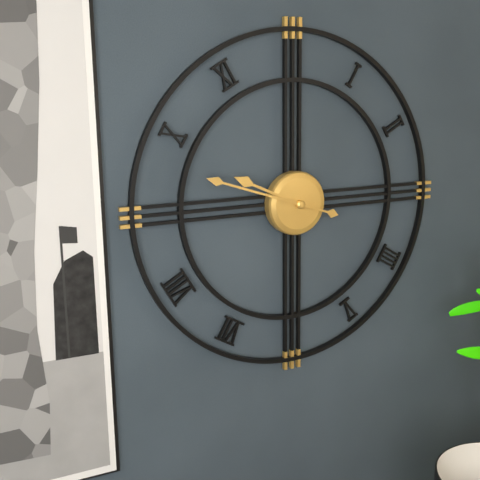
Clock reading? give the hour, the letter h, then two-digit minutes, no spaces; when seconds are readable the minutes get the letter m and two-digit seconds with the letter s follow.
9h48
